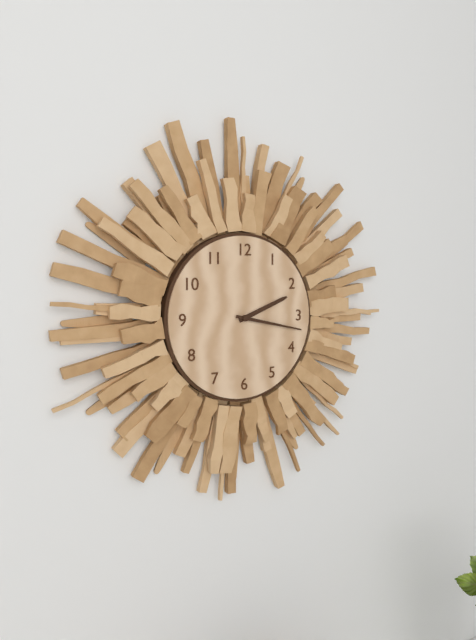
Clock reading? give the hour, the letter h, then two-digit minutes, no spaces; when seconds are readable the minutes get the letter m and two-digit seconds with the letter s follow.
2h17
